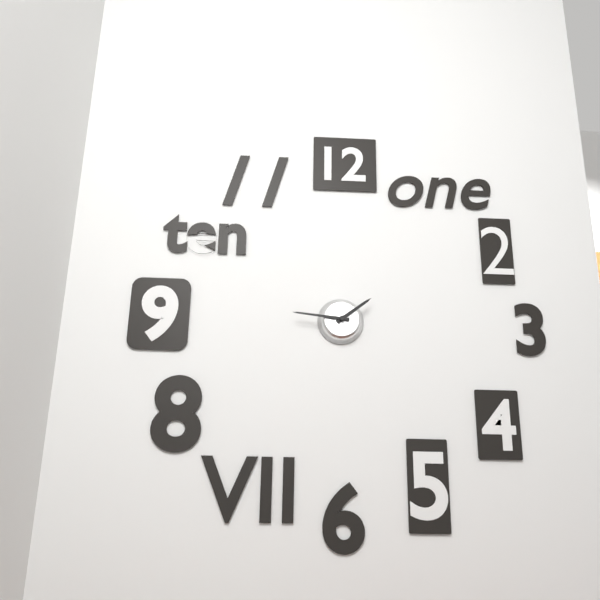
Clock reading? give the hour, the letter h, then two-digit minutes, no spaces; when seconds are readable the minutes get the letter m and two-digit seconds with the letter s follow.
1h46
